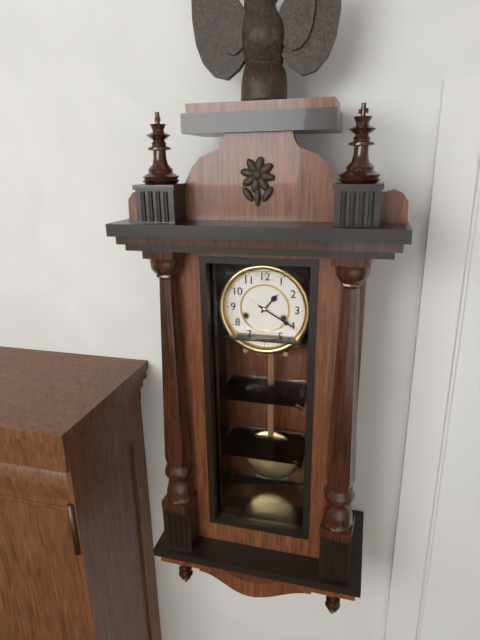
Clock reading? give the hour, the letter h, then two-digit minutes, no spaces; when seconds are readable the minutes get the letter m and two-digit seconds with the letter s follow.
1h20
